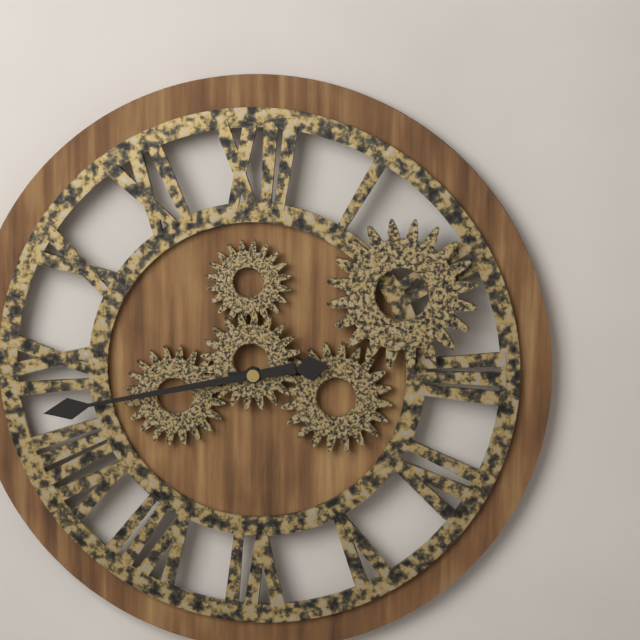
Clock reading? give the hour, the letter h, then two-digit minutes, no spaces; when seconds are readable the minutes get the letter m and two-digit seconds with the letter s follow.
2h43
